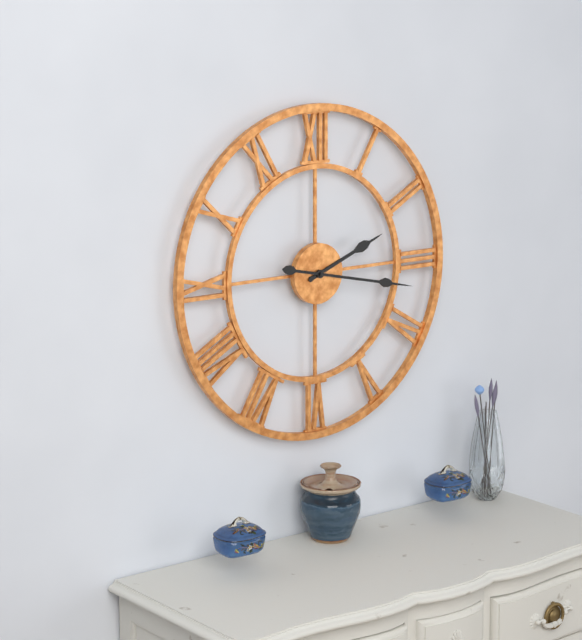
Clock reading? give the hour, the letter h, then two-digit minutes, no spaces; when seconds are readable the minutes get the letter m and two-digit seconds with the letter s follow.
2h17
